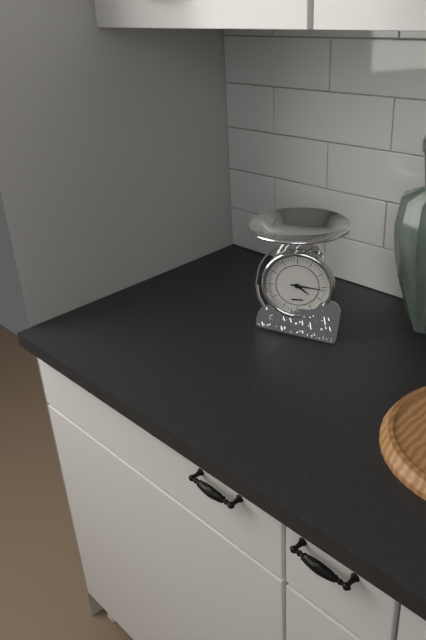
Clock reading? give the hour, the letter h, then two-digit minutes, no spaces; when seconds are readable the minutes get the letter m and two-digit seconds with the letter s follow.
4h16
